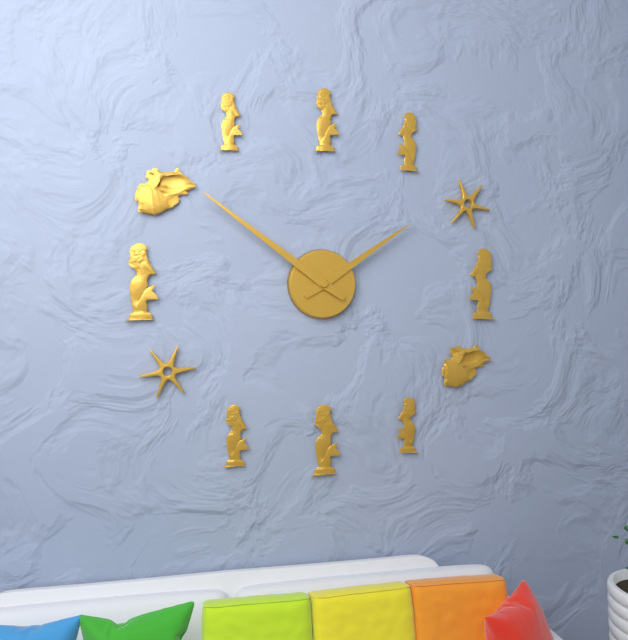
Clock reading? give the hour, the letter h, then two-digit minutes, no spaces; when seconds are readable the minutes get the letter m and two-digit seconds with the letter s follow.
1h51
